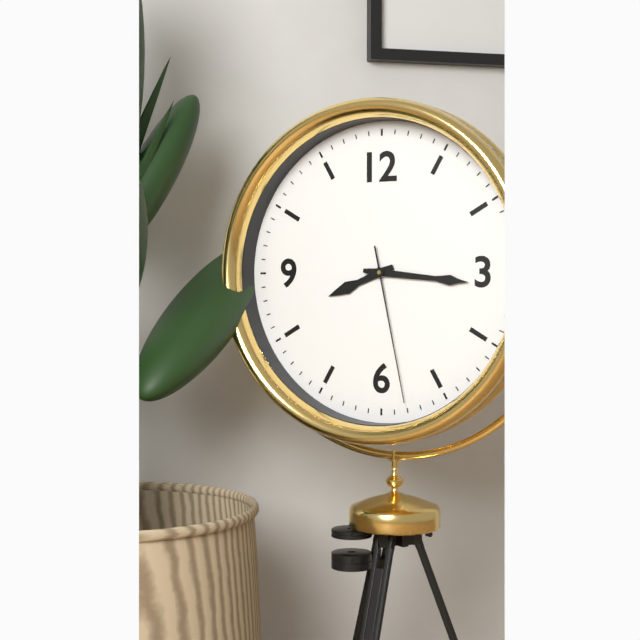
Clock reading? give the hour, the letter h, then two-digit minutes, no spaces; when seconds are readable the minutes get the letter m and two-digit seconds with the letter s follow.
8h16m28s
